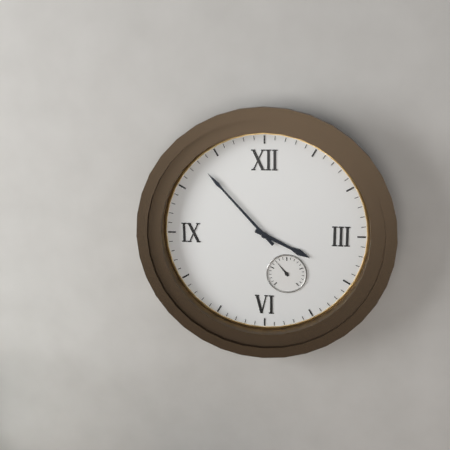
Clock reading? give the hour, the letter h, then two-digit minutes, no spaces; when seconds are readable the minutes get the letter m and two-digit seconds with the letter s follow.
3h53
